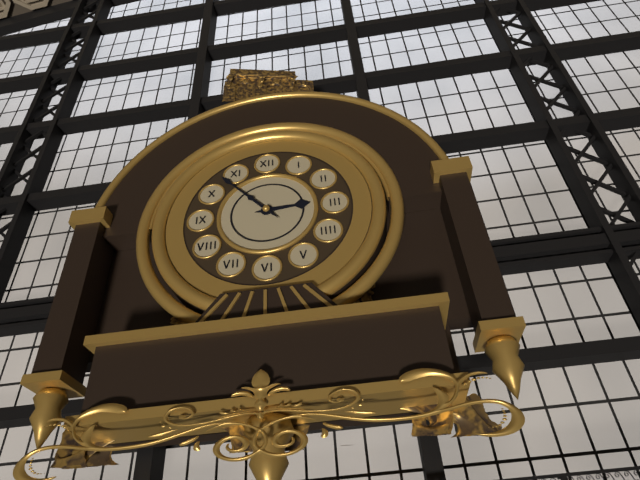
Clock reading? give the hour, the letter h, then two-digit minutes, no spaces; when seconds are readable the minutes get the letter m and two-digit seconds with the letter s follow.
2h53
